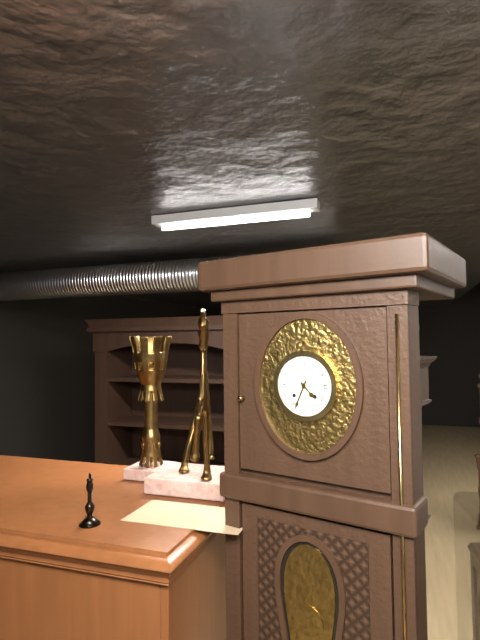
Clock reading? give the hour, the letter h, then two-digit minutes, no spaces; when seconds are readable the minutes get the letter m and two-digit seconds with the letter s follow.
4h34
